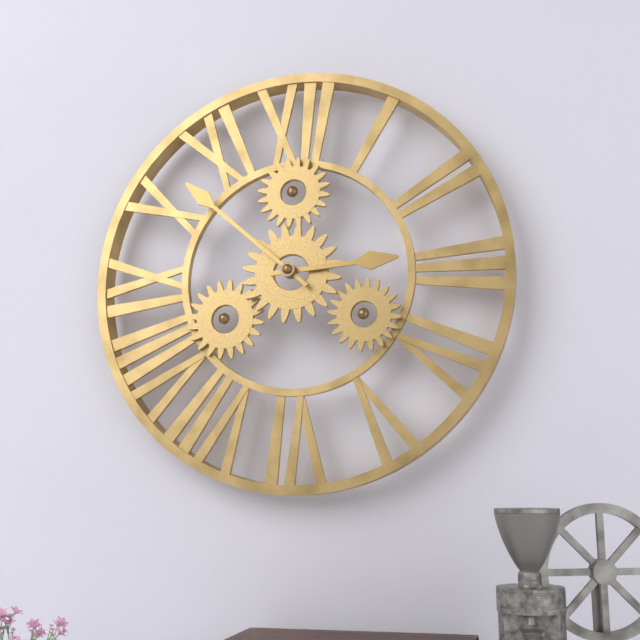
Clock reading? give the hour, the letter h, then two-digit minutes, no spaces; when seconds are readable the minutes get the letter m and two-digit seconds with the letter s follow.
2h52
